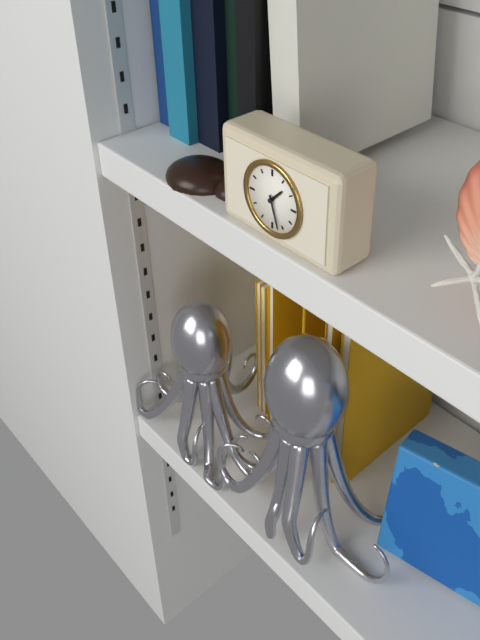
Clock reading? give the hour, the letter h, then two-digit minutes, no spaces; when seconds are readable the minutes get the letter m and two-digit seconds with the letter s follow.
1h27
